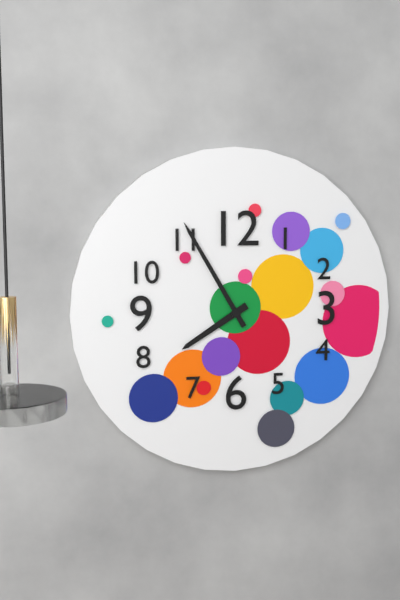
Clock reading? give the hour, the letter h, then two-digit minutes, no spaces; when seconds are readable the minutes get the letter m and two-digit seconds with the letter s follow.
7h55
